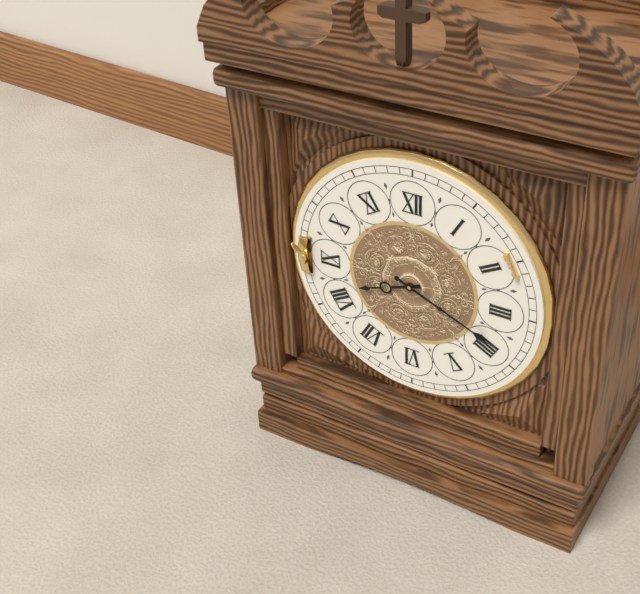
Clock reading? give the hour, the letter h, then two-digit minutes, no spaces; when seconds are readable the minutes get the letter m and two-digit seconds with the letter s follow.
8h19
